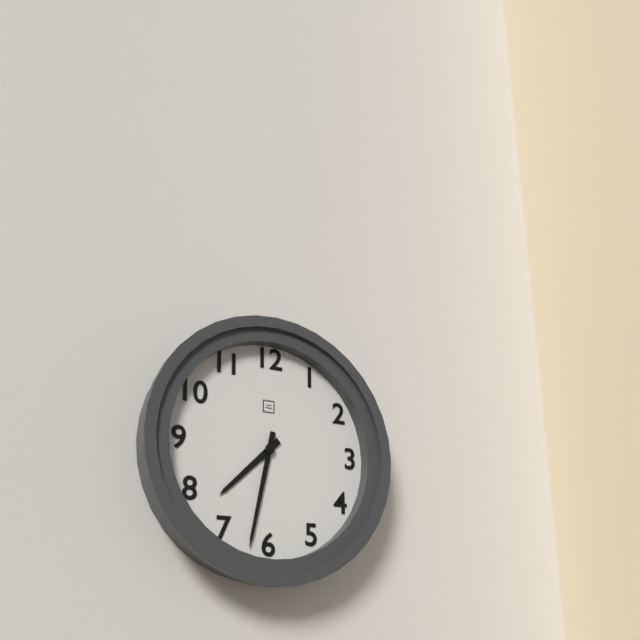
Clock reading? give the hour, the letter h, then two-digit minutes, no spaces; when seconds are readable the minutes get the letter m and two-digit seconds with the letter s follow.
7h32
